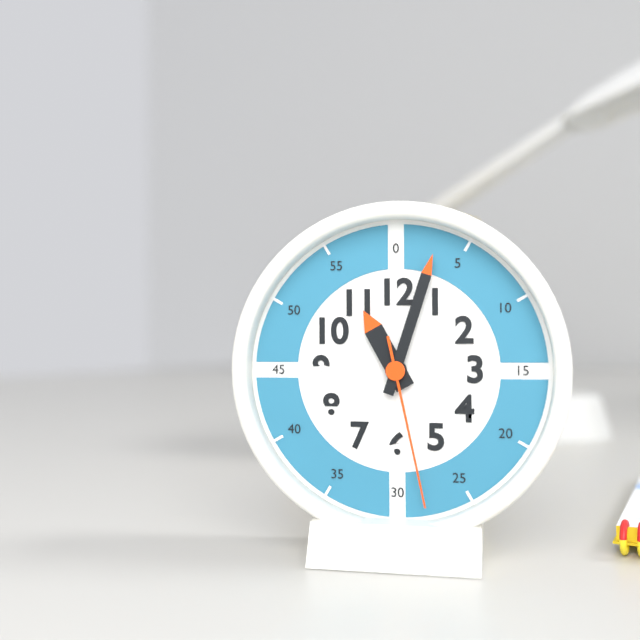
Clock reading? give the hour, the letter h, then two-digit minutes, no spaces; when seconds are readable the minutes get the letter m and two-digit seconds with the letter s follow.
11h03m28s
